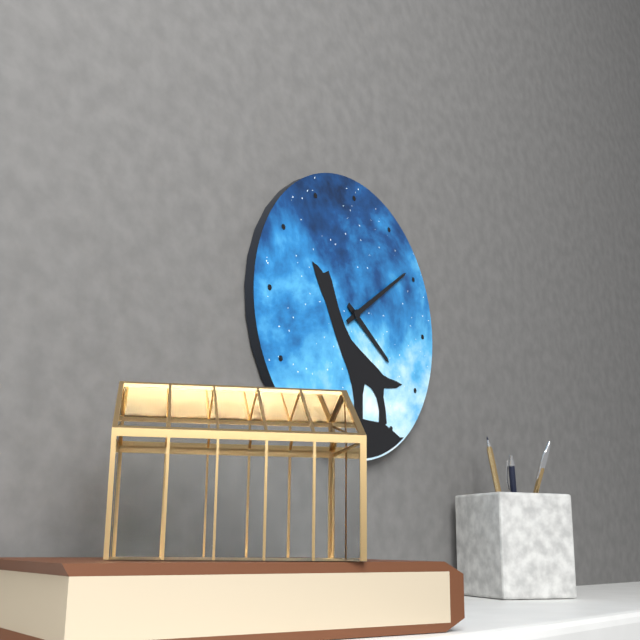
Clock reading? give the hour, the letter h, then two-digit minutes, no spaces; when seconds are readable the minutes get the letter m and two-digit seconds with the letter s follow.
4h09
